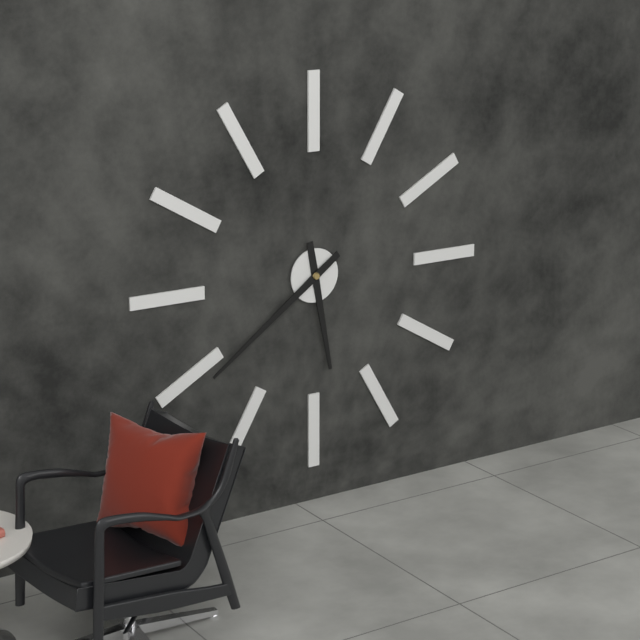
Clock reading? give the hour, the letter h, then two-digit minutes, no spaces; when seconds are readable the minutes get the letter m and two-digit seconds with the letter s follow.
5h39
